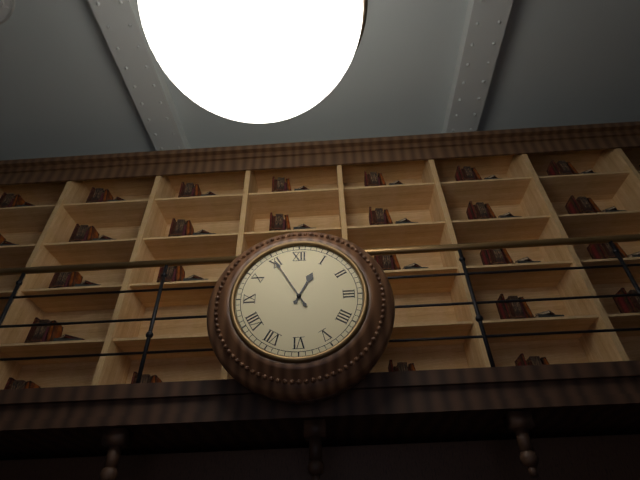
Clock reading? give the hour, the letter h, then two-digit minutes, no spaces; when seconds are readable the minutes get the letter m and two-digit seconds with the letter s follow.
12h55
